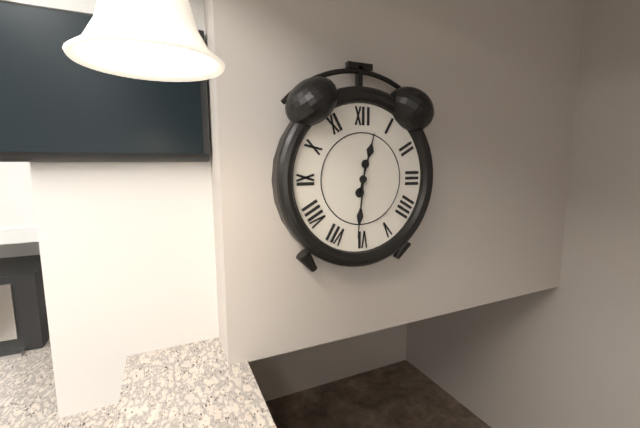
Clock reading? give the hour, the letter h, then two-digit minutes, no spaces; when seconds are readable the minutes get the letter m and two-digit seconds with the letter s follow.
12h31
